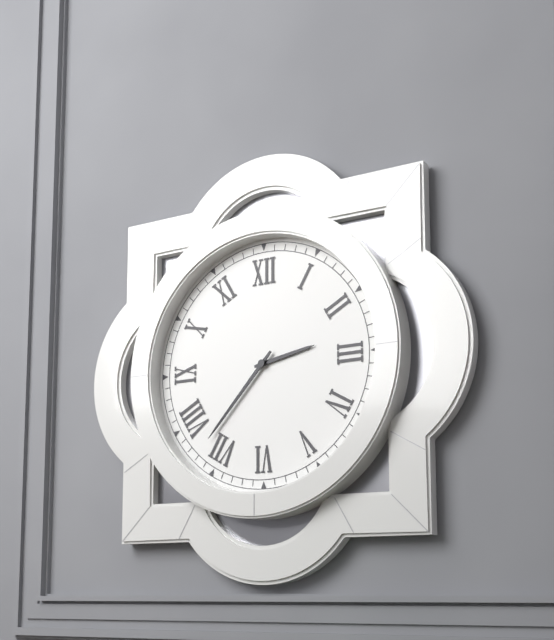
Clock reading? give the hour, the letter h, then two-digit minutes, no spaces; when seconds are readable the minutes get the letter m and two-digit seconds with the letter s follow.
2h37
